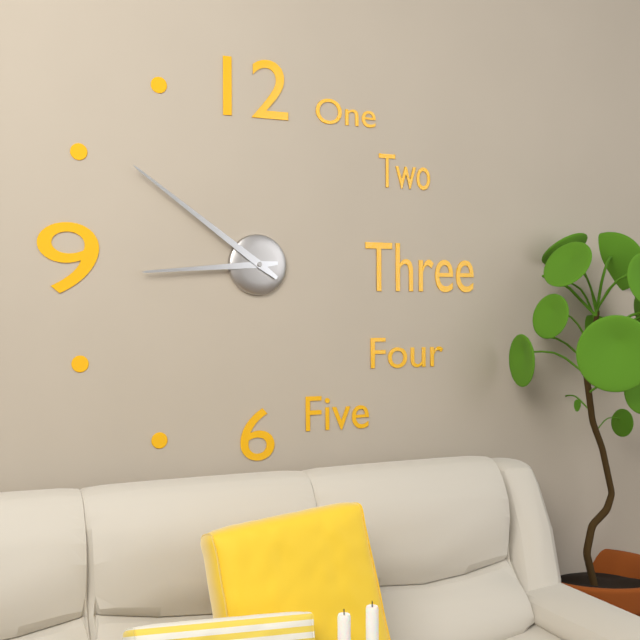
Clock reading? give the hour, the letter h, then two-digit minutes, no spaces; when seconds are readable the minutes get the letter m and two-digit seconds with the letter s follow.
8h51
